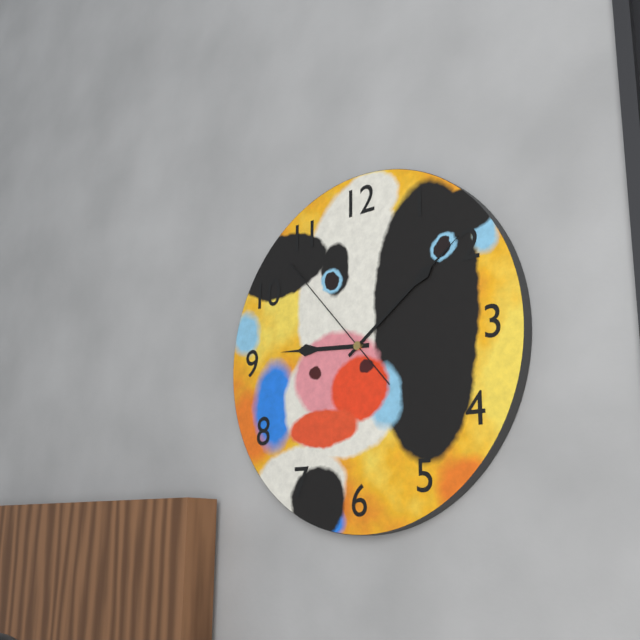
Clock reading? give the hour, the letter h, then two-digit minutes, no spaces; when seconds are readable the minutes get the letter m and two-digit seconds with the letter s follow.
9h09m53s
